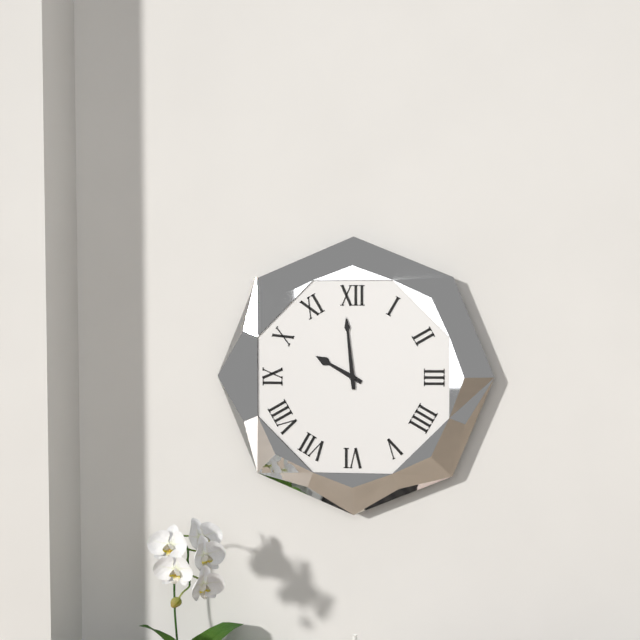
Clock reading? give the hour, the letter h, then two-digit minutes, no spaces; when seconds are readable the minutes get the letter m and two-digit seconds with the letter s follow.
9h59
